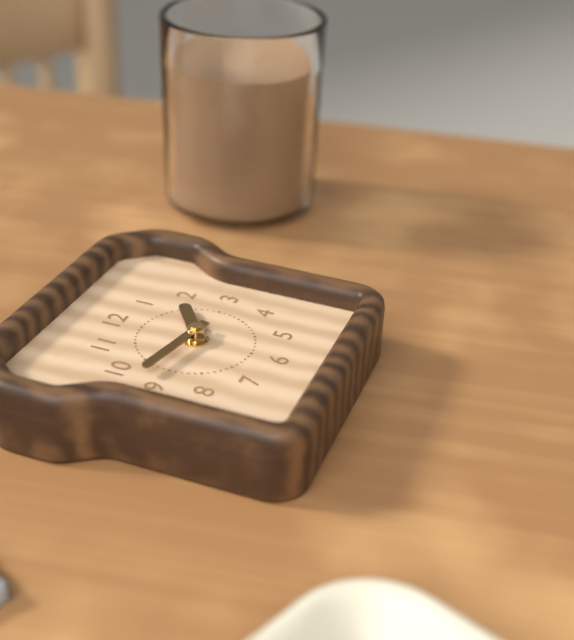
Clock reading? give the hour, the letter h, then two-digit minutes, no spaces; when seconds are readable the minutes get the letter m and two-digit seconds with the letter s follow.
1h47
